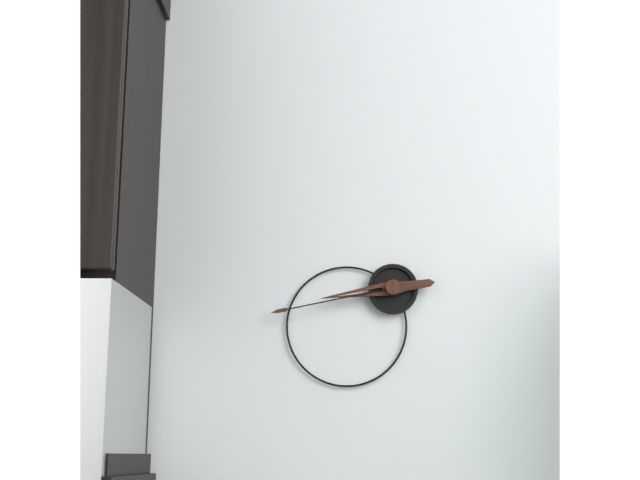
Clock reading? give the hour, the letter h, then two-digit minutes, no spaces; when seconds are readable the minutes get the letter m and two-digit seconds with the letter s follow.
8h43
